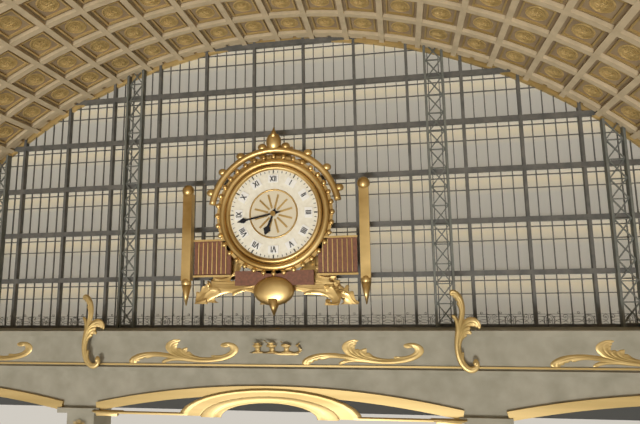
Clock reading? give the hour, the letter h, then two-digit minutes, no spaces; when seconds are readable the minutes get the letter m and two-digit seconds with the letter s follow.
6h43
